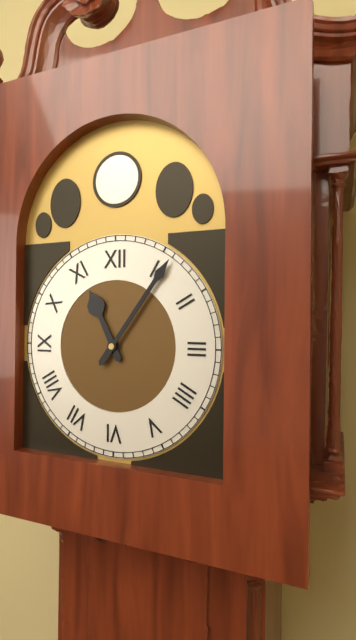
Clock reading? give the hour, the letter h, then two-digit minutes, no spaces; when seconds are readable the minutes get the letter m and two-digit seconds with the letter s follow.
11h06
